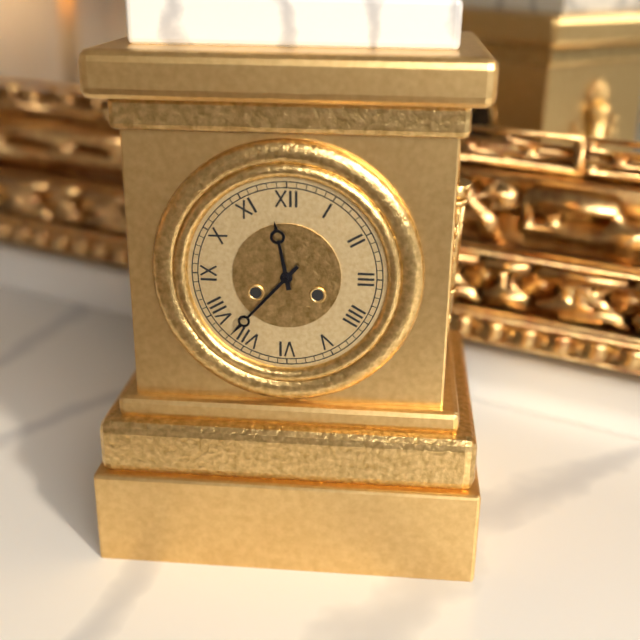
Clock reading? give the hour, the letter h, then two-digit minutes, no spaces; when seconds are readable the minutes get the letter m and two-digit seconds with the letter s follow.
11h37
